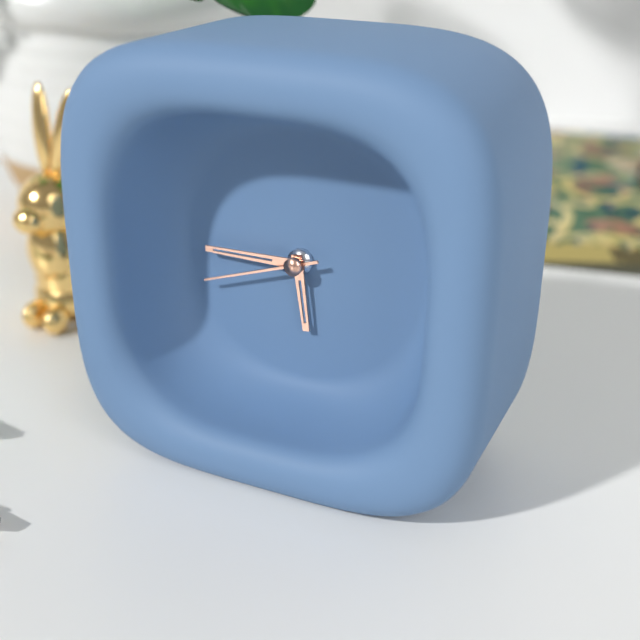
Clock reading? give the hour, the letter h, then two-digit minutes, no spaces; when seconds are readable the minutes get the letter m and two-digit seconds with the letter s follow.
5h45m42s
